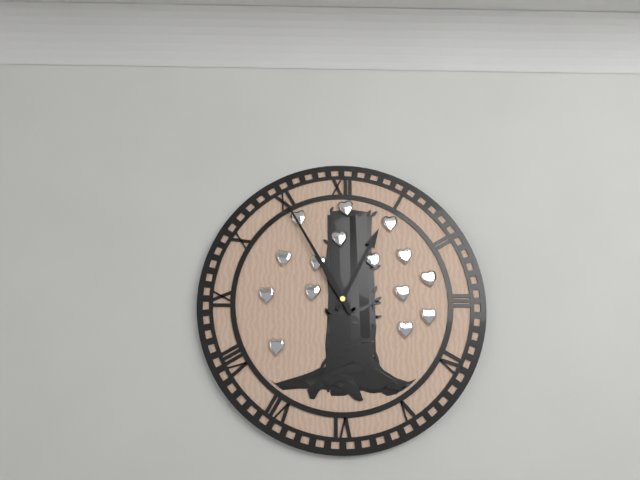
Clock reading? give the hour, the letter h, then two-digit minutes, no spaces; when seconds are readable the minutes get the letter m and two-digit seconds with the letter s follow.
12h55
